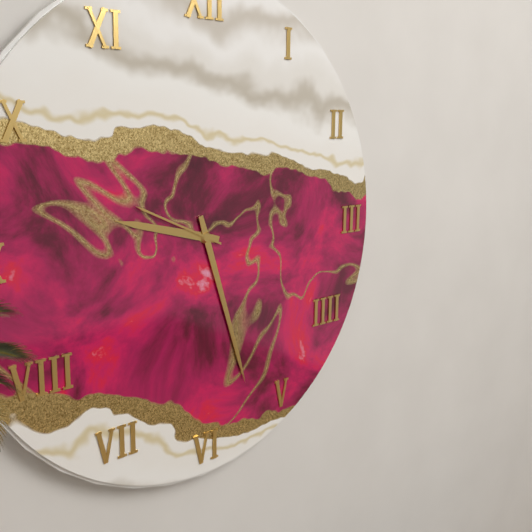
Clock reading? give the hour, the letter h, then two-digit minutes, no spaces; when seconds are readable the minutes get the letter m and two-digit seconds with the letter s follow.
9h27m49s
